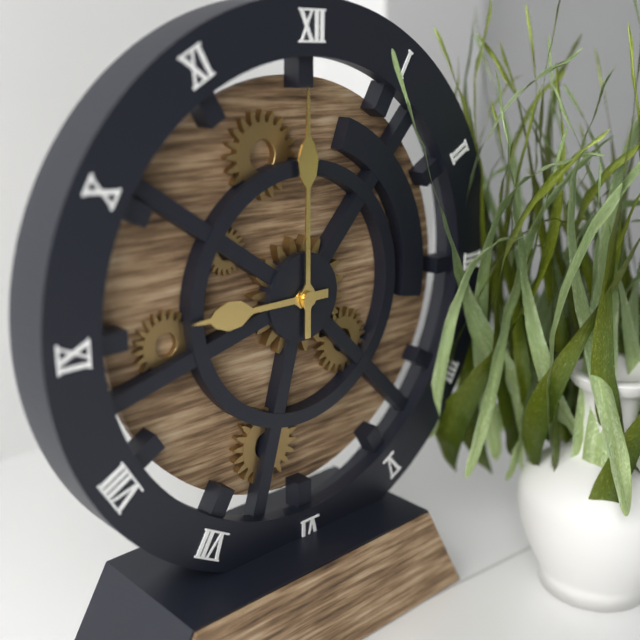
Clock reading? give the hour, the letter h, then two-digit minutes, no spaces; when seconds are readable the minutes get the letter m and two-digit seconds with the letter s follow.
9h00
